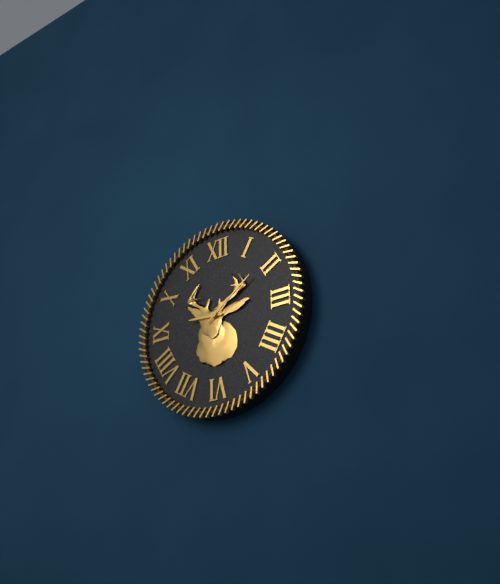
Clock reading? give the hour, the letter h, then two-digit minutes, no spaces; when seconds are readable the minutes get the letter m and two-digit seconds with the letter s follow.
9h09
